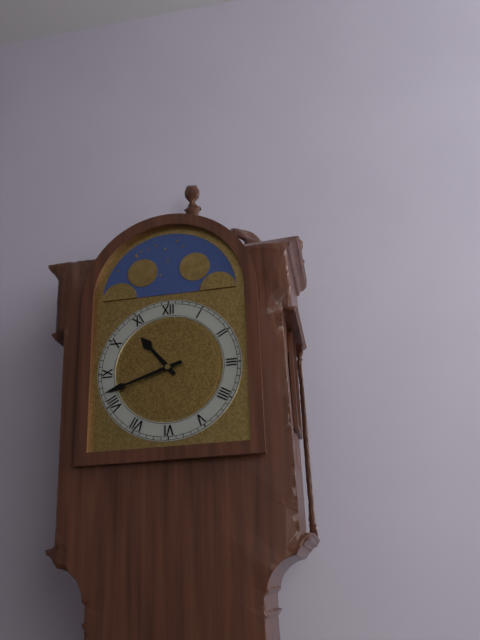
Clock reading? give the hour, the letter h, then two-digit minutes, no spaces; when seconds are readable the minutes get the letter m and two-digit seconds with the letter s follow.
10h42
